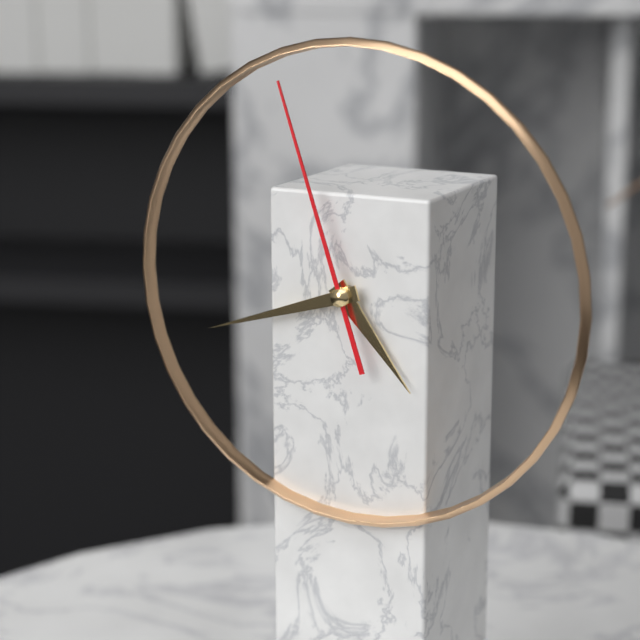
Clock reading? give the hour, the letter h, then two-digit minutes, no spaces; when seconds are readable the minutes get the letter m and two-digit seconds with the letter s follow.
4h42m57s
